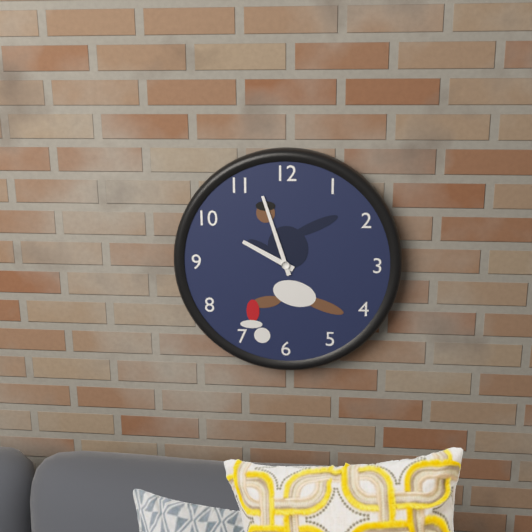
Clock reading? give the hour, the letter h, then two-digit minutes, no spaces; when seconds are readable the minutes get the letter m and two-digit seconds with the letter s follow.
9h57
